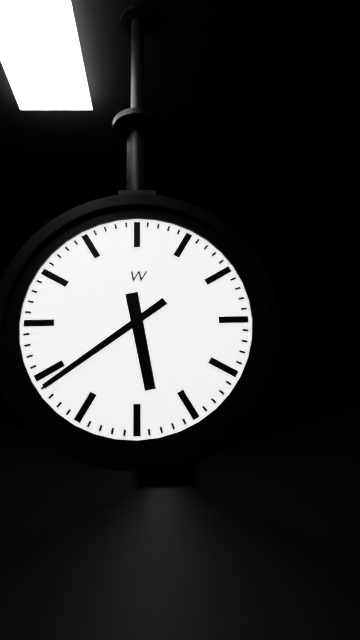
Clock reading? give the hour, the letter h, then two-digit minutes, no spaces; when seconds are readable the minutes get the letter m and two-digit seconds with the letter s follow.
5h39
